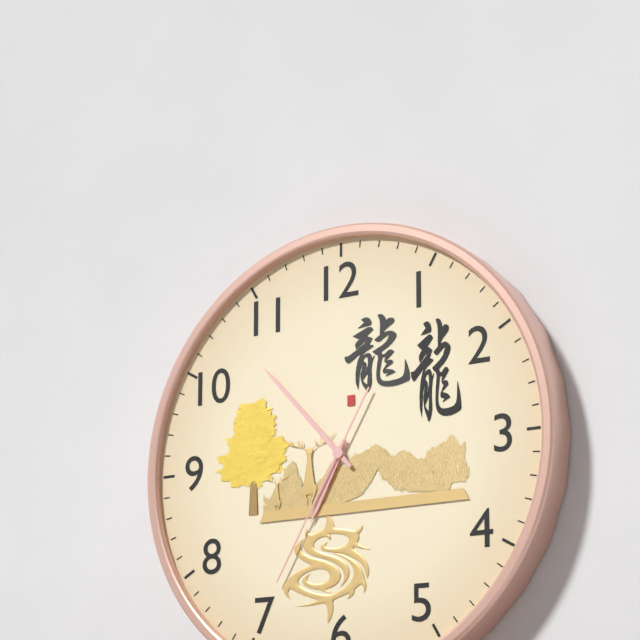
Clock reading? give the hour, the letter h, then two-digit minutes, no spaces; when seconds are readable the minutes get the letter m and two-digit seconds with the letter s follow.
6h53m35s
